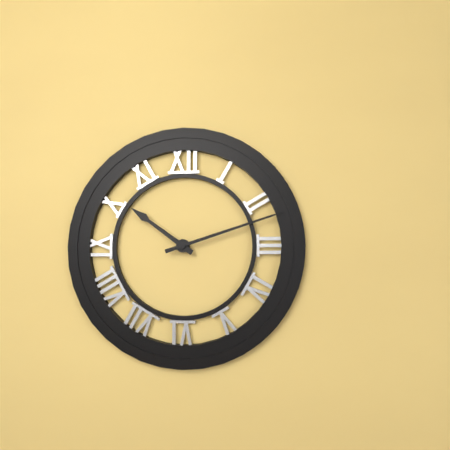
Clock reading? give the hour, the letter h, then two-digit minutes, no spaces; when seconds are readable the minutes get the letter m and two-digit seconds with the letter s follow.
10h12
